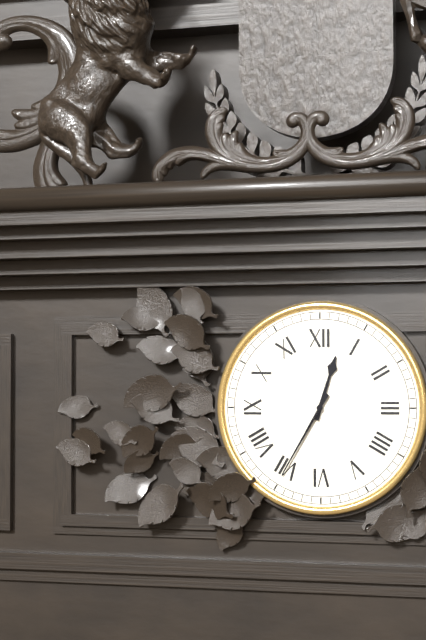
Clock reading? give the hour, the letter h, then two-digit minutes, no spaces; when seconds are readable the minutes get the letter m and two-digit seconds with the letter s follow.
12h35
